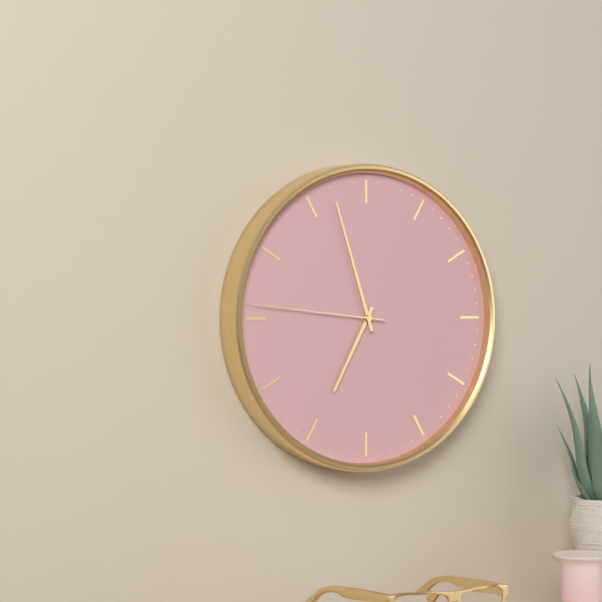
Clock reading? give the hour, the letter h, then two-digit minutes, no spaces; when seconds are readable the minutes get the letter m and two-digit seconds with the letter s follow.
6h57m46s
